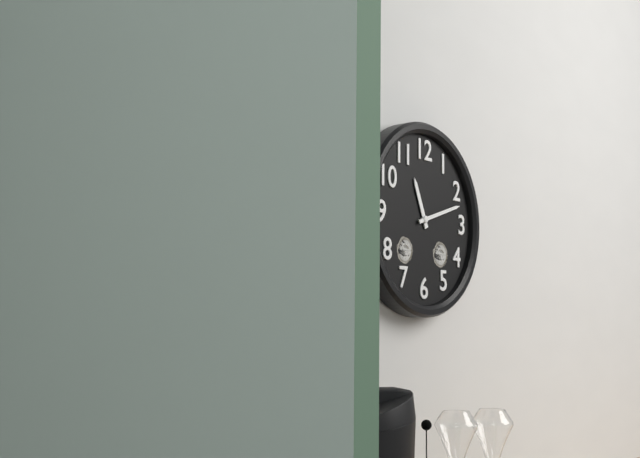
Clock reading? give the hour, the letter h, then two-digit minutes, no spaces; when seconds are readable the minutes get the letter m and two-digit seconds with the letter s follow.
11h12
